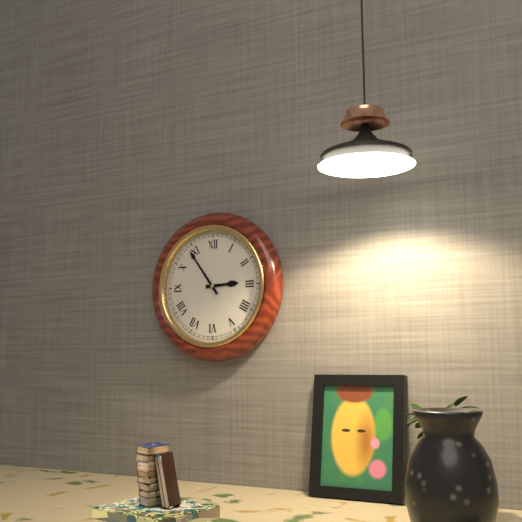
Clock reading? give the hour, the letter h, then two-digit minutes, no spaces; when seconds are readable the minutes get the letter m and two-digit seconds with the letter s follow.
2h54
